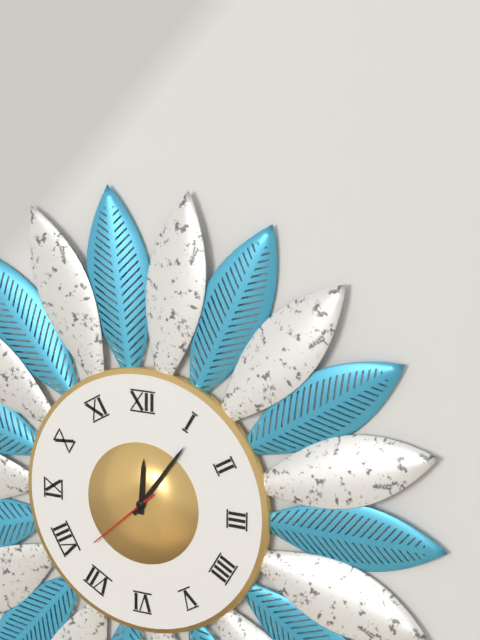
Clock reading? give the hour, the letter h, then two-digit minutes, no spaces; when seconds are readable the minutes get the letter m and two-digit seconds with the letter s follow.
12h06m38s
